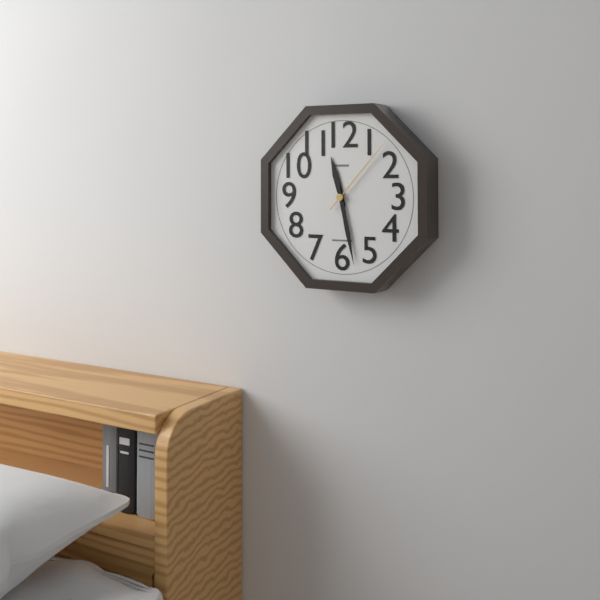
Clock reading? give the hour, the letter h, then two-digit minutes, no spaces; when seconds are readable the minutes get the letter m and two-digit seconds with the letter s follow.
11h28m07s
